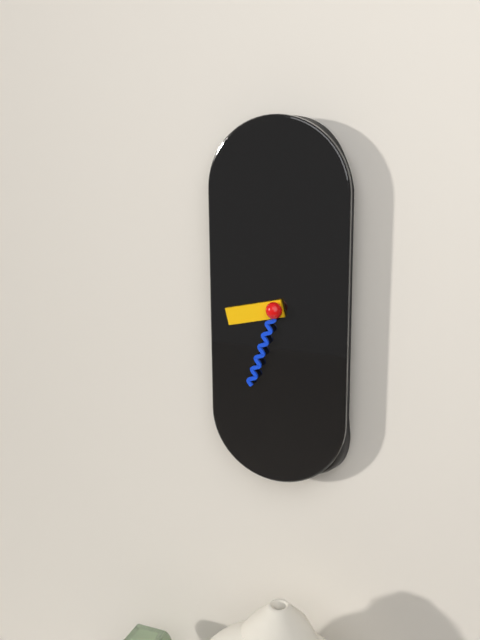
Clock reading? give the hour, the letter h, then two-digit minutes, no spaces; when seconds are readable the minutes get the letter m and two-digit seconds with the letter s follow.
8h33
